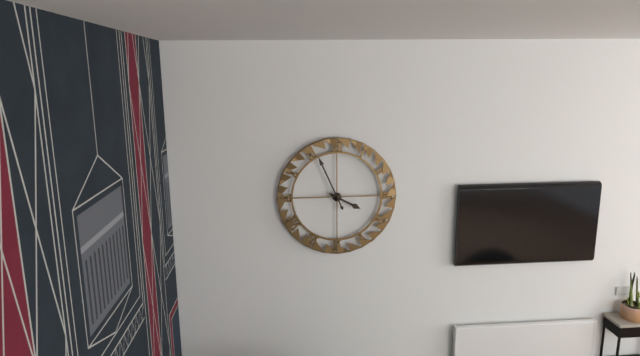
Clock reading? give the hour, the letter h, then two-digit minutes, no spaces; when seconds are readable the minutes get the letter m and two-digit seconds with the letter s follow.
3h56
